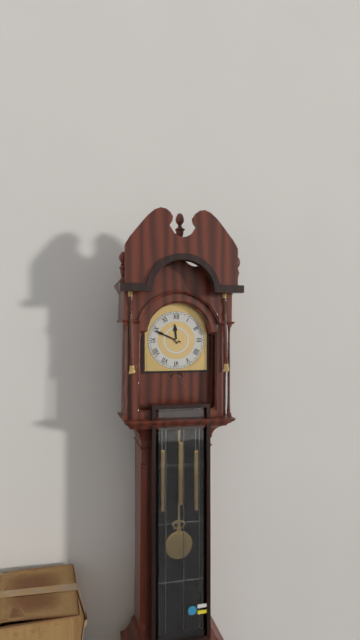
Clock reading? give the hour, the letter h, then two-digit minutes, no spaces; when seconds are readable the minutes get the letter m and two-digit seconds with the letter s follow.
11h49
